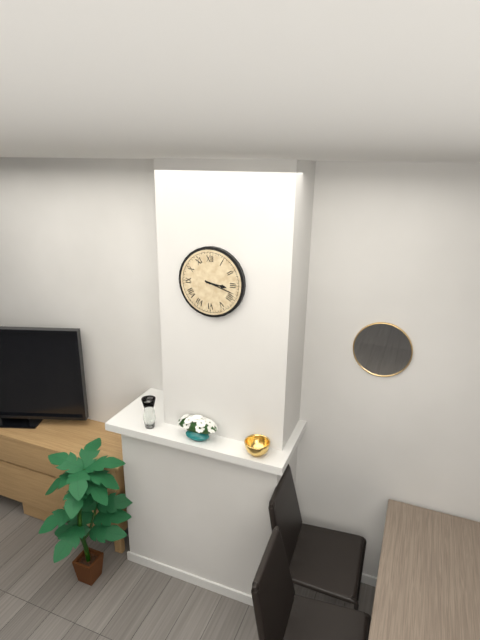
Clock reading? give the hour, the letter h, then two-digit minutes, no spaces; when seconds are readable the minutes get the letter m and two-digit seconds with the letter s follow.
3h18
